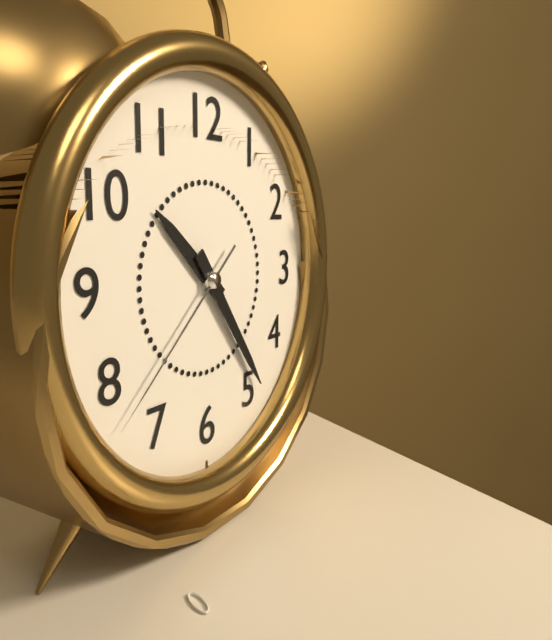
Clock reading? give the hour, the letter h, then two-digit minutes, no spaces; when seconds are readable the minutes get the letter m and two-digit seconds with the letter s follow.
10h24m38s
